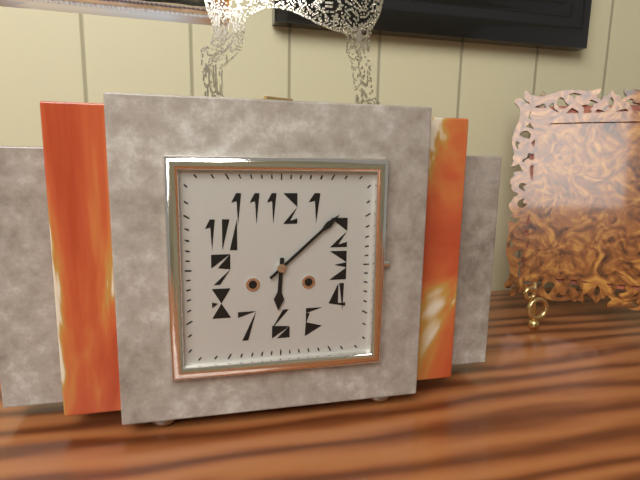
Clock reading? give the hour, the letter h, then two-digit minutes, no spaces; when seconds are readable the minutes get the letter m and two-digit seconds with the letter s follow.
6h08
